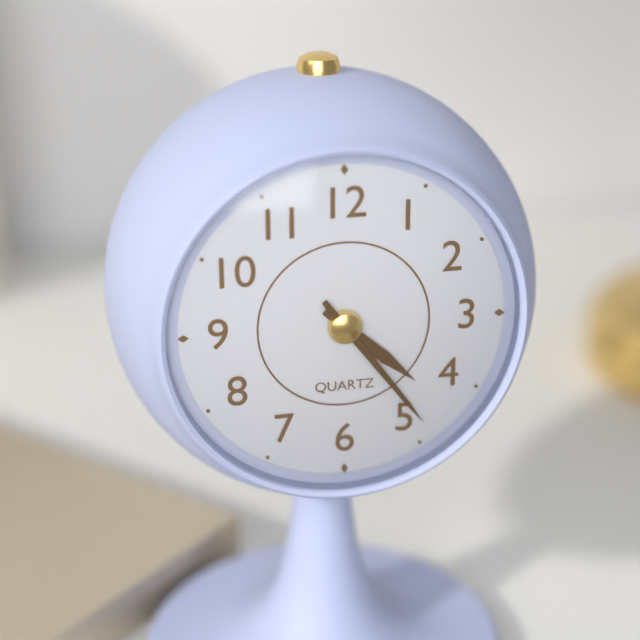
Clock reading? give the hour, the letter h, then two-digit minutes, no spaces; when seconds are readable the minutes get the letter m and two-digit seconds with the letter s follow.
4h24
